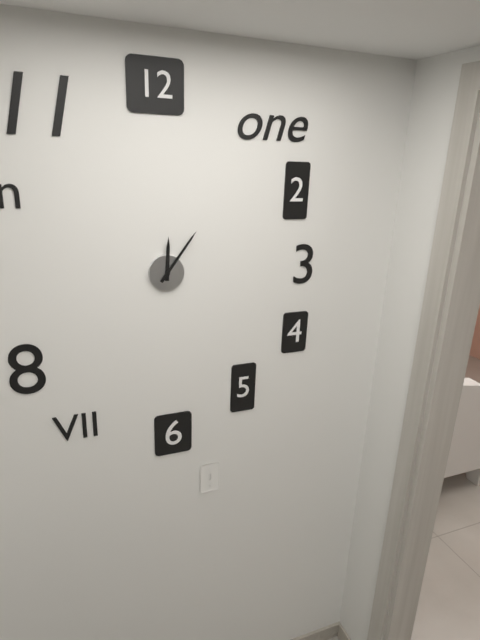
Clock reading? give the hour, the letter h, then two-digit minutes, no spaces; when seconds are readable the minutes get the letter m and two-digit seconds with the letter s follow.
12h06
